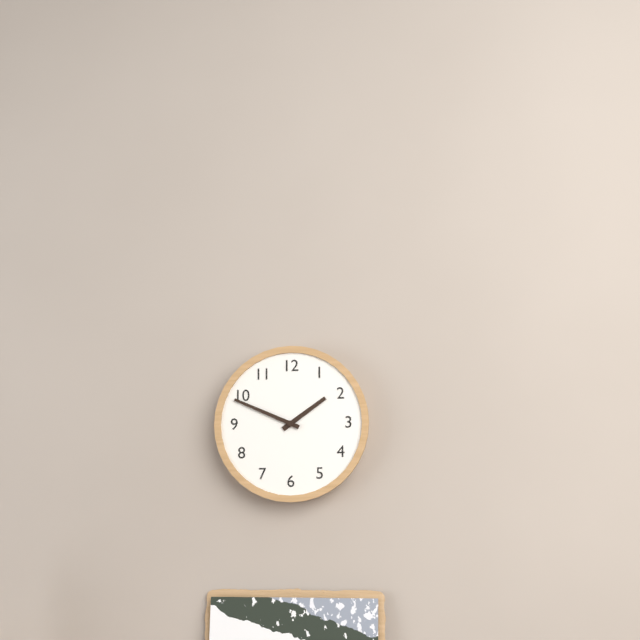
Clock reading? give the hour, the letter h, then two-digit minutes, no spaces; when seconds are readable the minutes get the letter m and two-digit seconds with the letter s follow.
1h49
